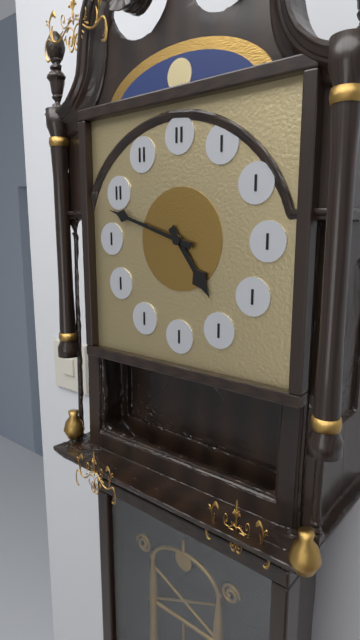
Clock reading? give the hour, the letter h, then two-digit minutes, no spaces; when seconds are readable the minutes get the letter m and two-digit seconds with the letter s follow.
4h48
